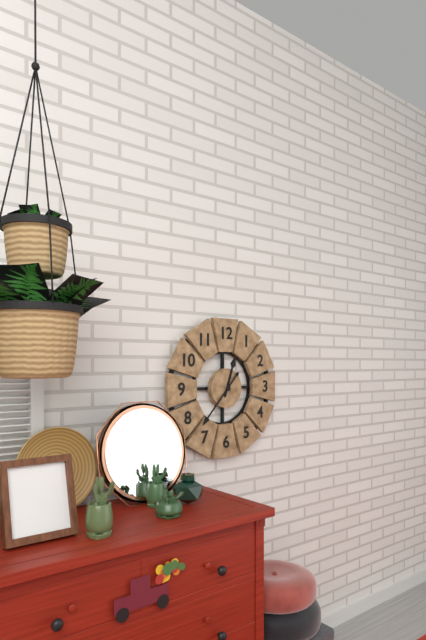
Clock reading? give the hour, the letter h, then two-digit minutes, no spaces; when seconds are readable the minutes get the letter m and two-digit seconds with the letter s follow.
12h37
